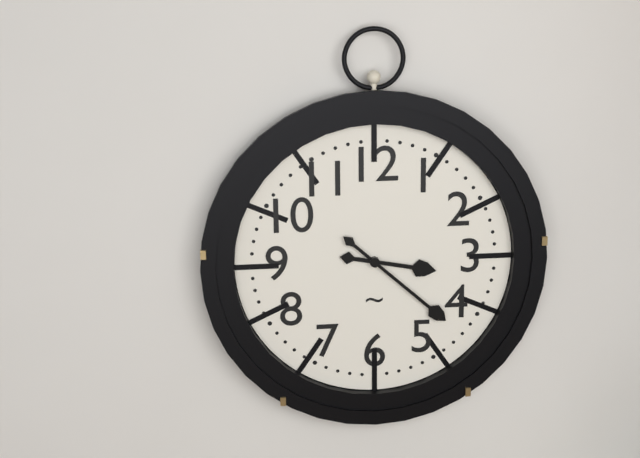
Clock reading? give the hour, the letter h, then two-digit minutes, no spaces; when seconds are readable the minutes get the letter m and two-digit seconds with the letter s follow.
3h22
